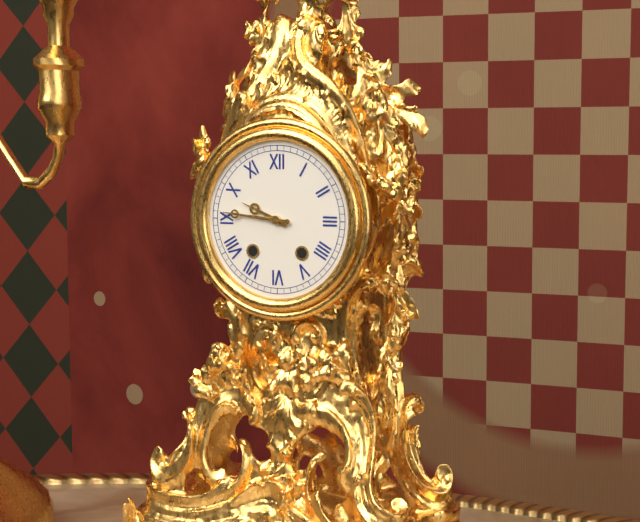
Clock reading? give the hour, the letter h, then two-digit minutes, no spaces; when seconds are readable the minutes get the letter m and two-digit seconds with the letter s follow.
9h46
